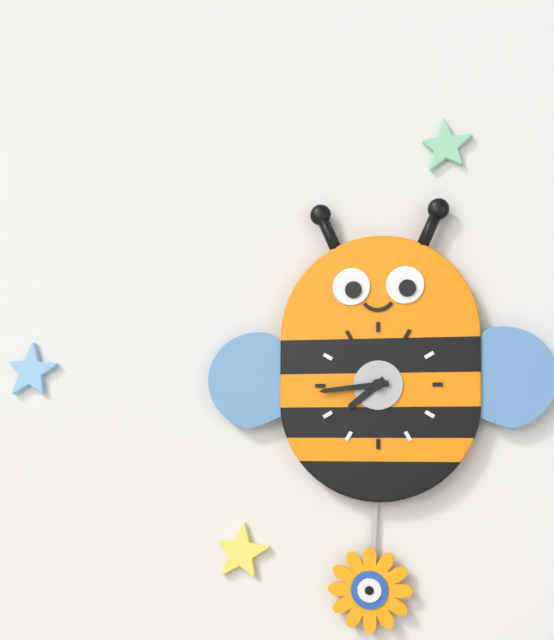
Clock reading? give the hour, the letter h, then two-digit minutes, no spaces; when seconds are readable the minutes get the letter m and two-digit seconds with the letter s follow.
7h44
